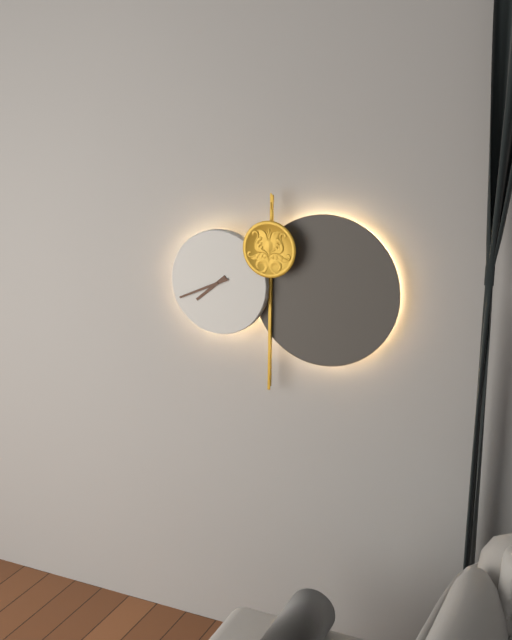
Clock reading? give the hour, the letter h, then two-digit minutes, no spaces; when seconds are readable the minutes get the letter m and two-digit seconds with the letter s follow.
7h41
